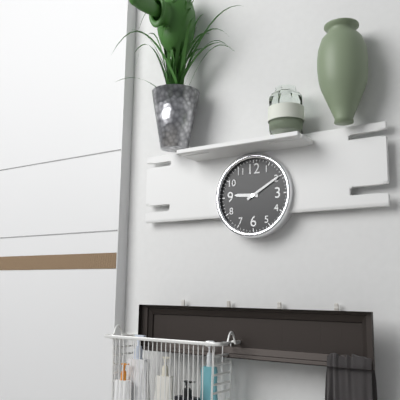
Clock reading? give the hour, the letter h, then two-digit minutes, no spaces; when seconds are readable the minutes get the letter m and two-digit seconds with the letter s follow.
9h10
